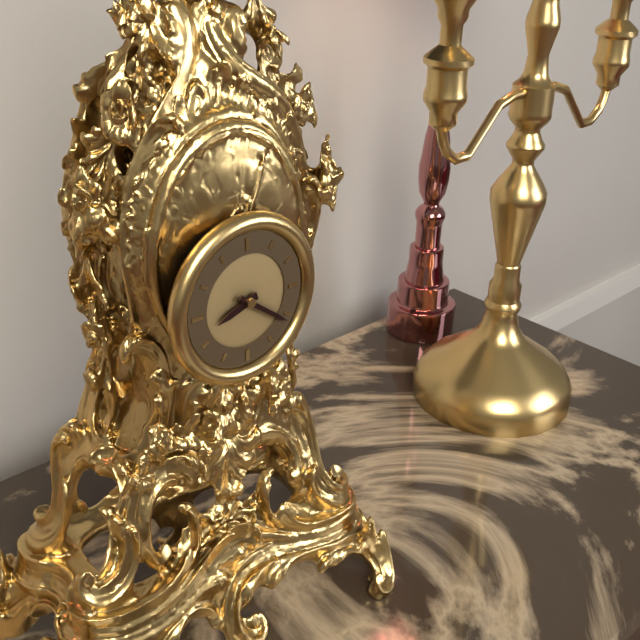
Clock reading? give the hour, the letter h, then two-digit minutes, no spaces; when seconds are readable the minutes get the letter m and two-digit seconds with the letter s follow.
8h21
